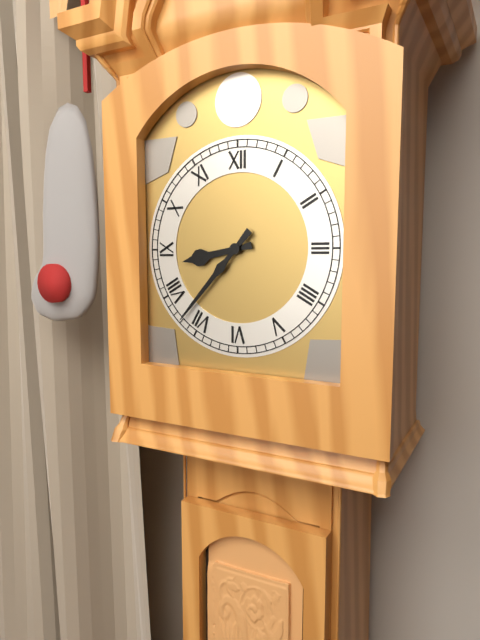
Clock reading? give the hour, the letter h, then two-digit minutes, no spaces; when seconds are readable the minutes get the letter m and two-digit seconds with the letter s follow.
8h37
